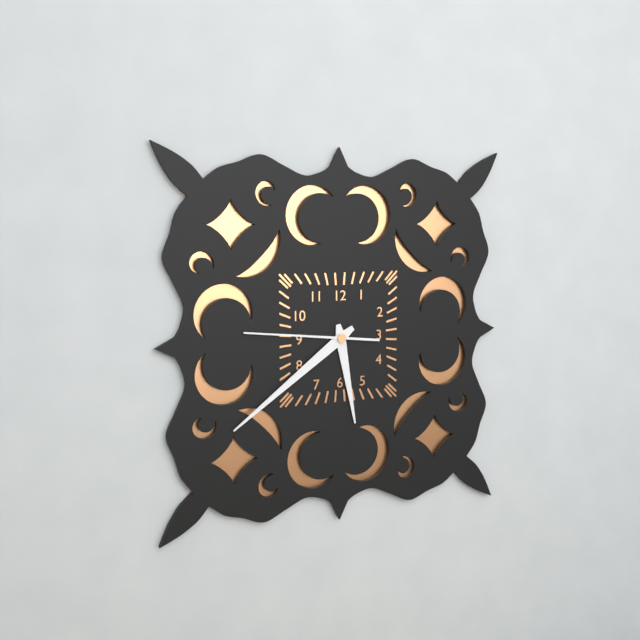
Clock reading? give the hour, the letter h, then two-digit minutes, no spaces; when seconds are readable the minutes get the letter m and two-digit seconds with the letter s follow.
5h39m46s
